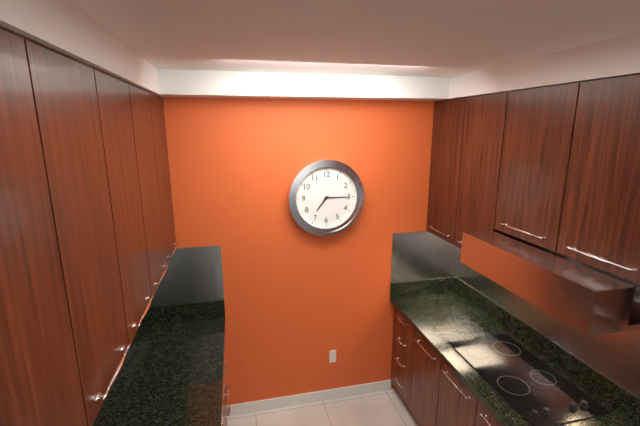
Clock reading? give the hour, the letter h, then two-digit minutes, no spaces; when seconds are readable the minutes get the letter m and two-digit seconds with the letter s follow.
7h15
